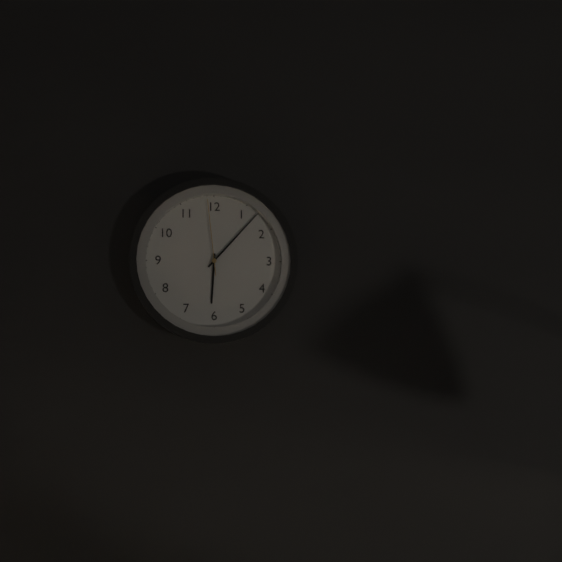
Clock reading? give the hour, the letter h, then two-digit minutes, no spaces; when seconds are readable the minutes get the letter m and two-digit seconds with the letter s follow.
6h07m59s
